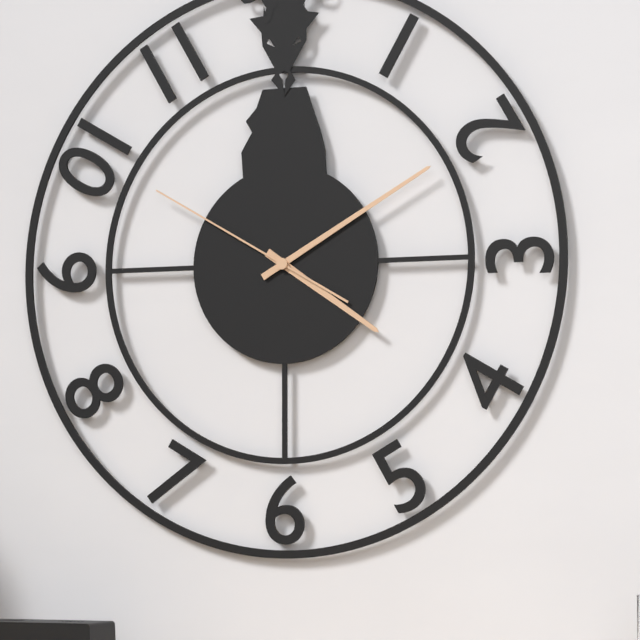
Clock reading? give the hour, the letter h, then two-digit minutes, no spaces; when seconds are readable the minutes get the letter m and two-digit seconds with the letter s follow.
4h10m50s
